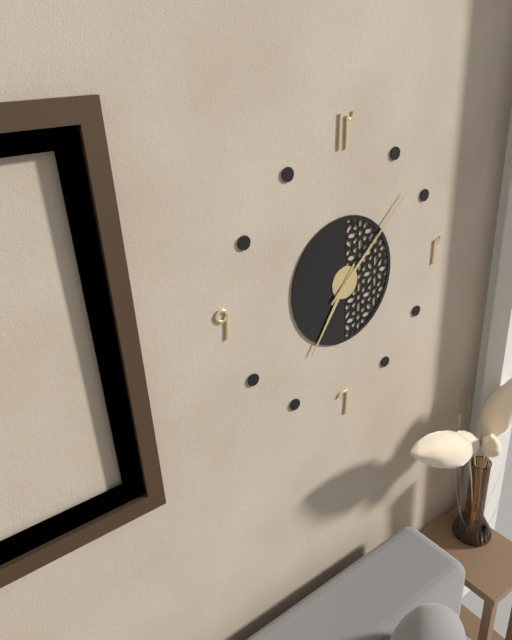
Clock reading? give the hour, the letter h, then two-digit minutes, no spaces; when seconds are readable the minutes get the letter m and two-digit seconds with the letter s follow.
7h08
